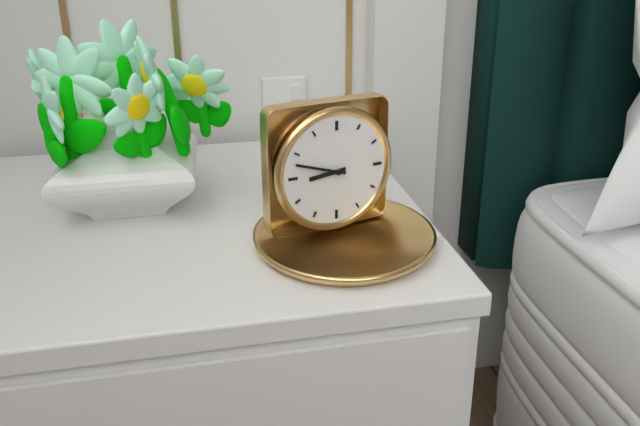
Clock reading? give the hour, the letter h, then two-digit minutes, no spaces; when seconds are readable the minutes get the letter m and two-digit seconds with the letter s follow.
8h48
